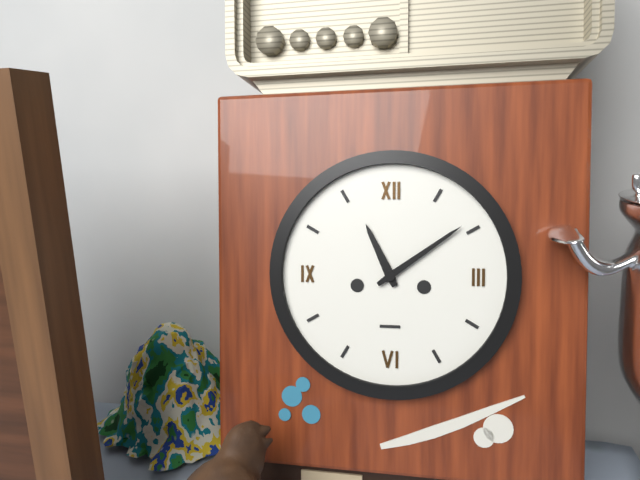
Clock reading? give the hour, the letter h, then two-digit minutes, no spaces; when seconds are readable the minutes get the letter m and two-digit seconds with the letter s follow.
11h09
